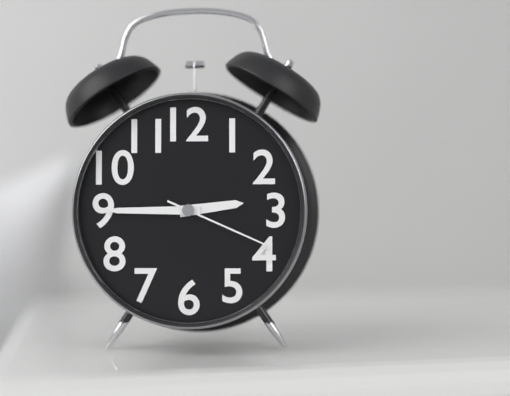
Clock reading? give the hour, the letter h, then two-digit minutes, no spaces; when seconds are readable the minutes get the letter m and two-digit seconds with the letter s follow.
2h45m19s
